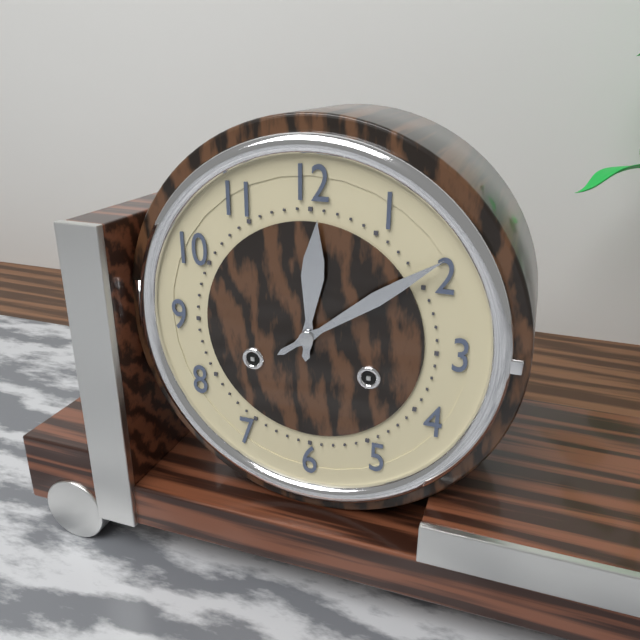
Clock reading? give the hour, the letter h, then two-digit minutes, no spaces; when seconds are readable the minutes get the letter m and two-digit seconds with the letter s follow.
12h09
